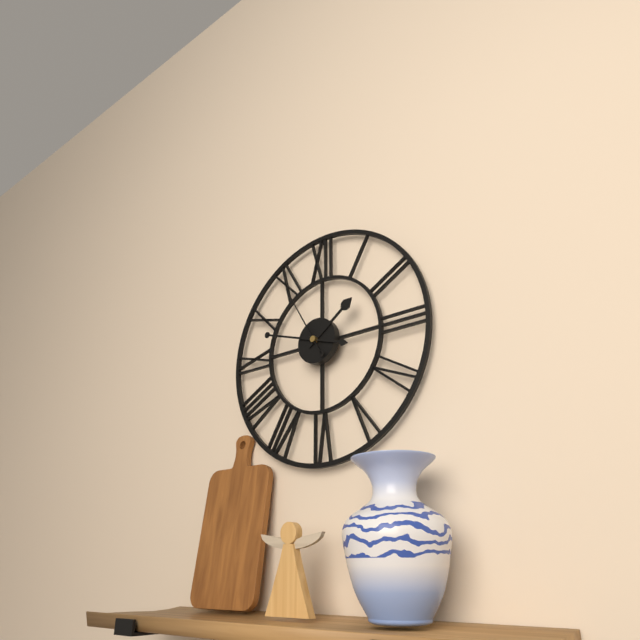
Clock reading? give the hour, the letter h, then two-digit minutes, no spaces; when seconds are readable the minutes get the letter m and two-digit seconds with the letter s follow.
1h48m55s
